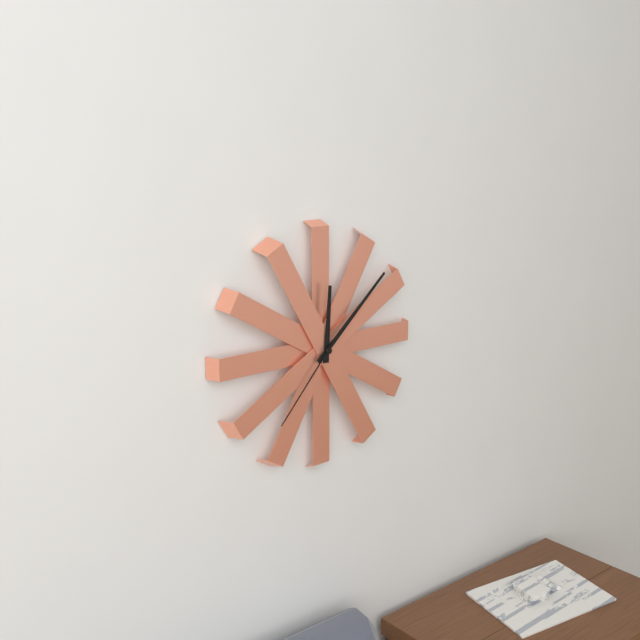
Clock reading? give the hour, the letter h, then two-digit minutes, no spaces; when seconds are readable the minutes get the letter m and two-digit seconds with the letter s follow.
12h08m37s
